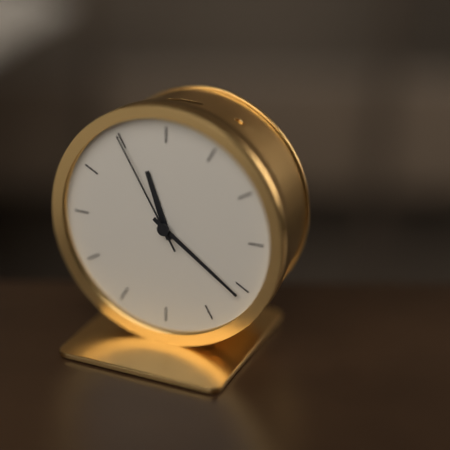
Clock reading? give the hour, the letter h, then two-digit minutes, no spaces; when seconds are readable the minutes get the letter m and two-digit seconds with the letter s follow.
11h21m55s
